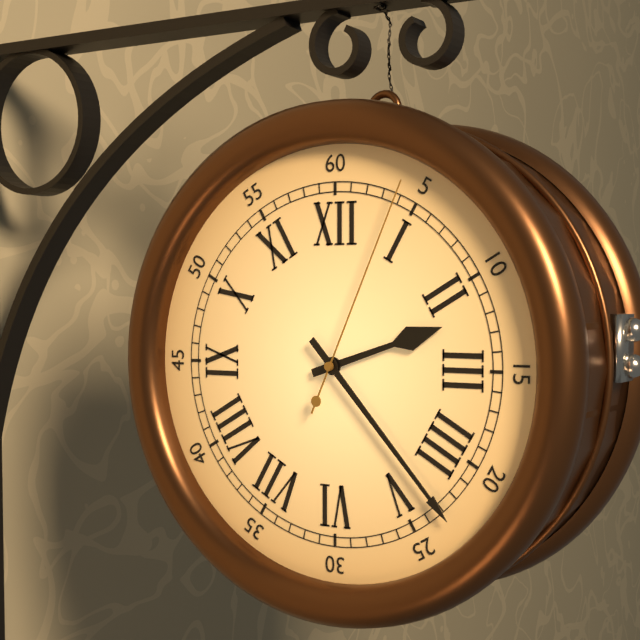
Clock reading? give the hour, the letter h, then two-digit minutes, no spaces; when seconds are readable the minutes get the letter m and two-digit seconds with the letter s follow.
2h23m04s
